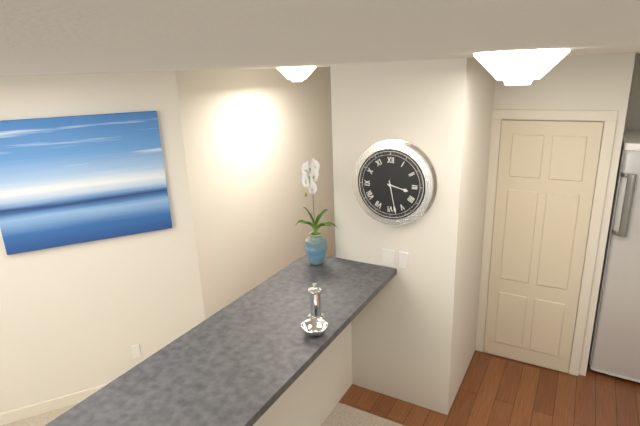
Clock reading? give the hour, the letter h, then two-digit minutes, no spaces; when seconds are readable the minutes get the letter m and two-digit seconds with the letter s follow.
3h28
